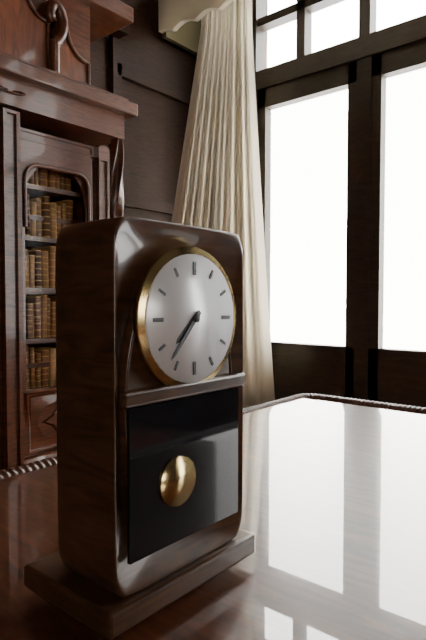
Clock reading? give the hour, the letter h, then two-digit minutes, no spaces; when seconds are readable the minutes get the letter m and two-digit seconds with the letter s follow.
7h37
